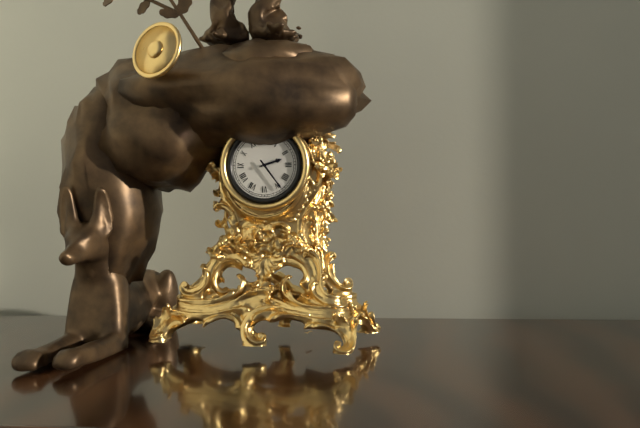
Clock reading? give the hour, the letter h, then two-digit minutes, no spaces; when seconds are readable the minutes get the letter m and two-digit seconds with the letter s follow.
2h24
